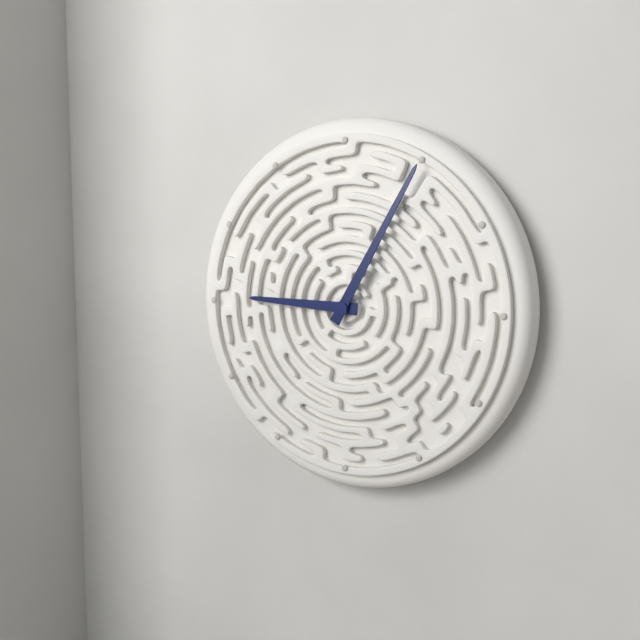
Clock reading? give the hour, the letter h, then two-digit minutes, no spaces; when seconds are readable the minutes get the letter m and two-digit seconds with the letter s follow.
9h05
